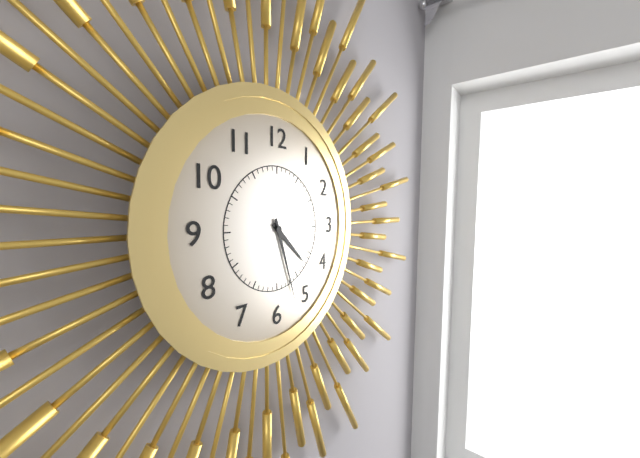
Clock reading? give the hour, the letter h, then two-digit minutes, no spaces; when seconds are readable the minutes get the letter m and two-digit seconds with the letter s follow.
4h27
